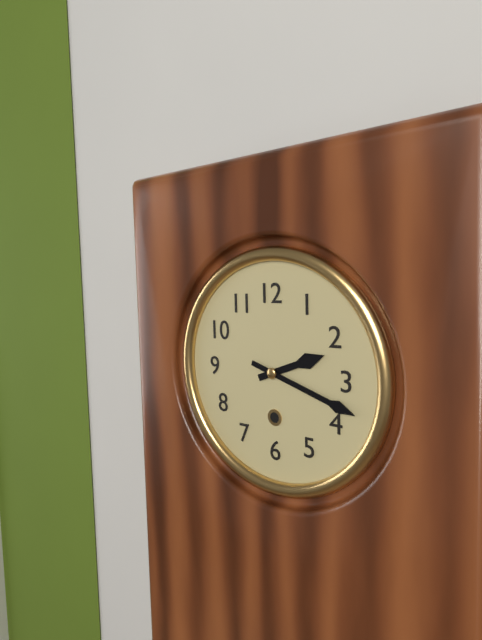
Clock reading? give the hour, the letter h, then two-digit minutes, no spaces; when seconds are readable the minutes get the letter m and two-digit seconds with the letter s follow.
2h18
